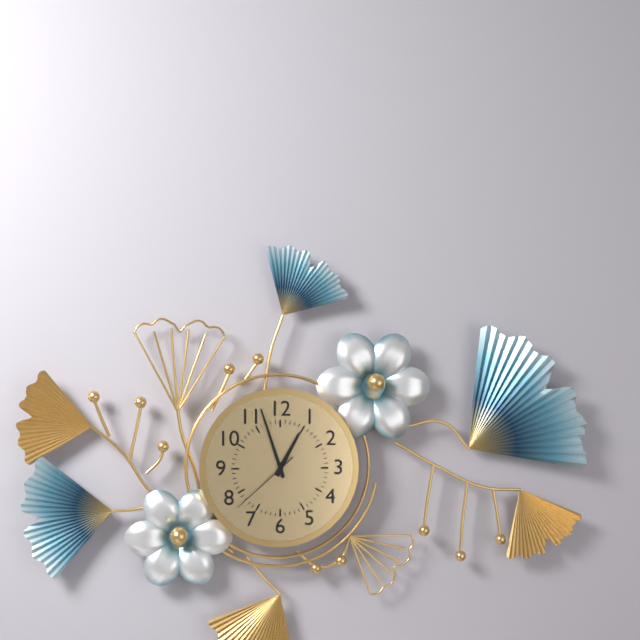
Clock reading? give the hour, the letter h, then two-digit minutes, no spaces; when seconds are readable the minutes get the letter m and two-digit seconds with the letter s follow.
12h57m38s
